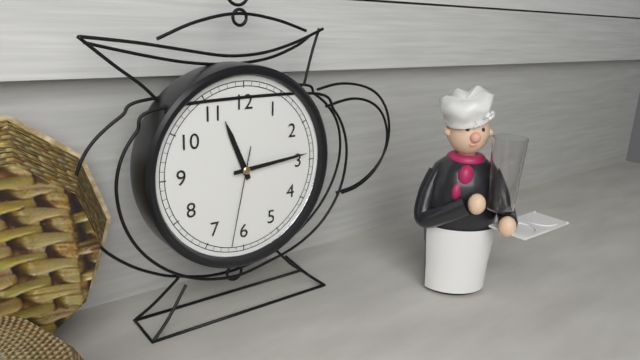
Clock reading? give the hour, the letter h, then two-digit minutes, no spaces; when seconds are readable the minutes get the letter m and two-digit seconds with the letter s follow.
11h14m32s
